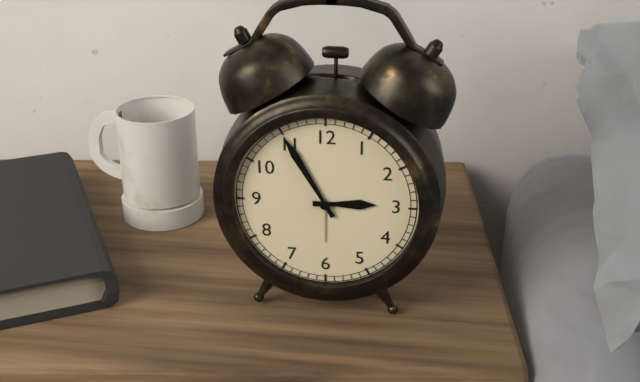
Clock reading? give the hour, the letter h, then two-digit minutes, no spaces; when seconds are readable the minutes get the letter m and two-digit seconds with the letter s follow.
2h55
